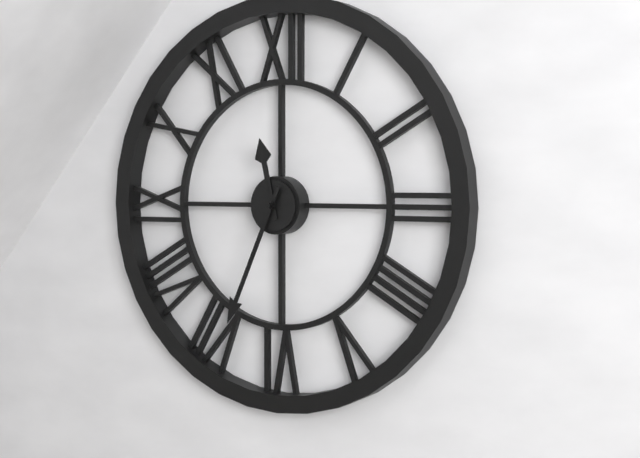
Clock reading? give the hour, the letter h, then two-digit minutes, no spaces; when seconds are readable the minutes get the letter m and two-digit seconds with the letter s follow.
11h34
